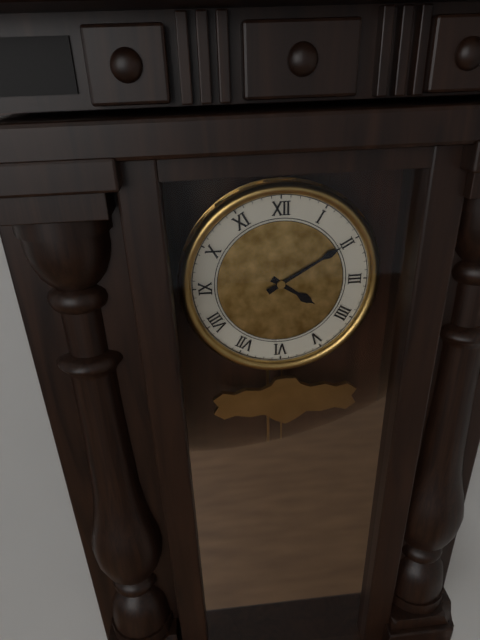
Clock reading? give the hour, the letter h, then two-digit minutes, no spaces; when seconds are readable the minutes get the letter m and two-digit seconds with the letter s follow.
4h10
